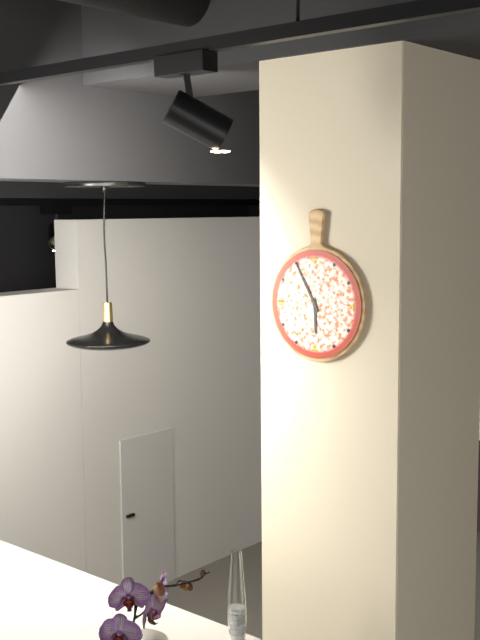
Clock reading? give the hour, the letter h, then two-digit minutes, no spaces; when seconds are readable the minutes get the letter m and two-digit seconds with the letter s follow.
5h55
